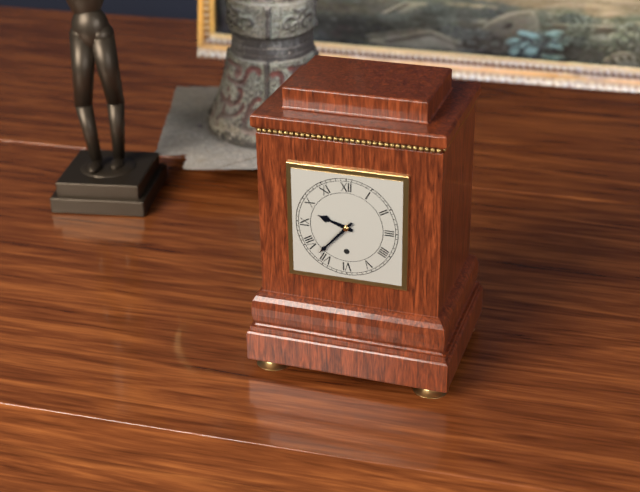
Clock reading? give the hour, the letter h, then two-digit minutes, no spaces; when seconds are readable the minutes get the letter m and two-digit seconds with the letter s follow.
9h37
